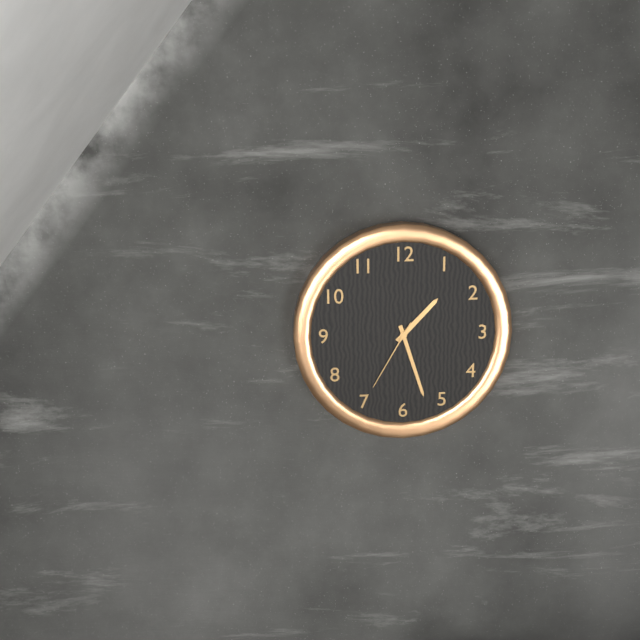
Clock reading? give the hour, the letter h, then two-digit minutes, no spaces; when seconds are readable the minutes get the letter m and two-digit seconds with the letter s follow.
1h27m35s
